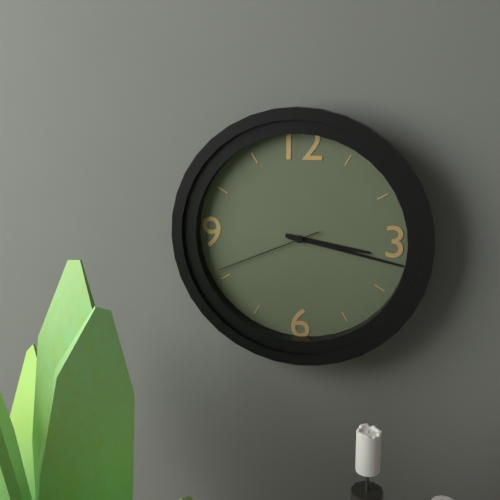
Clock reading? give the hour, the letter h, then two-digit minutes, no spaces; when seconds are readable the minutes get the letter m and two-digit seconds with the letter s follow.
3h17m41s
